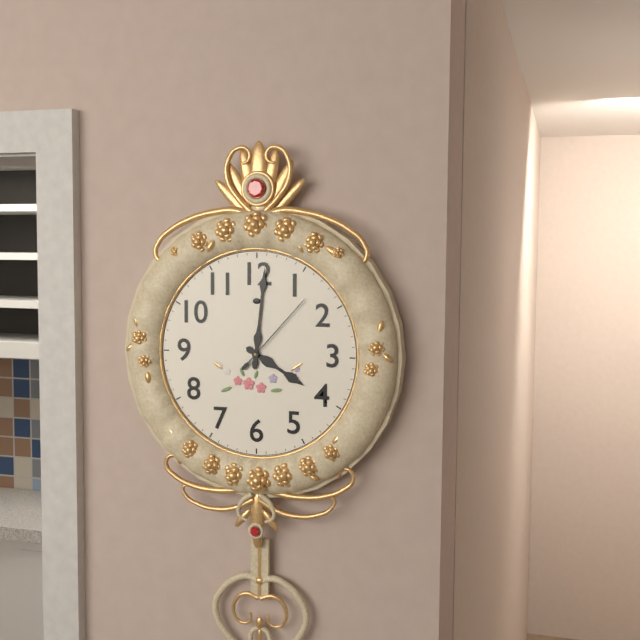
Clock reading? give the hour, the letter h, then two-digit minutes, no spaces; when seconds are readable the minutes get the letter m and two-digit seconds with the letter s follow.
4h01m07s
